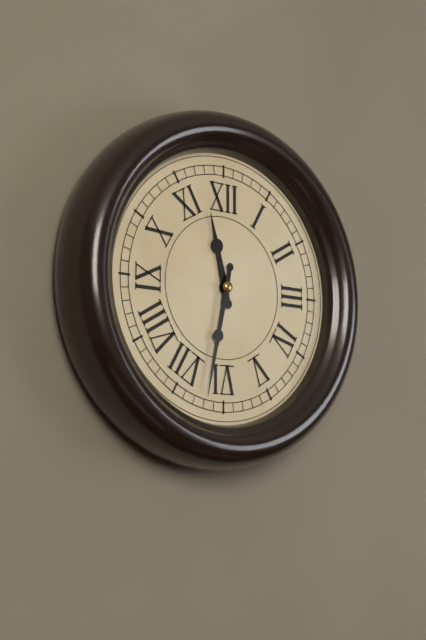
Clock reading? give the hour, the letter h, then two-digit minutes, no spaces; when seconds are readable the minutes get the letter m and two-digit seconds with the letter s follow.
11h32
